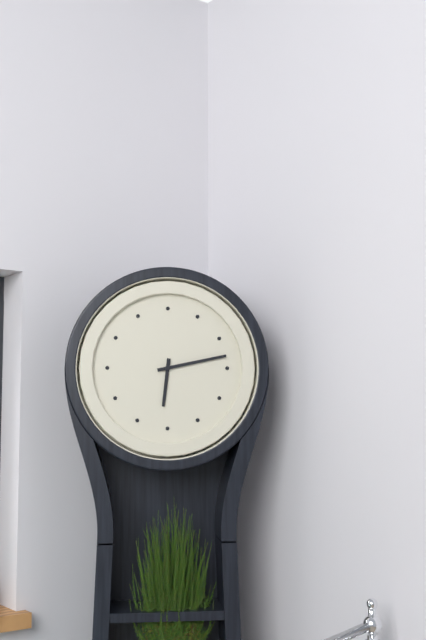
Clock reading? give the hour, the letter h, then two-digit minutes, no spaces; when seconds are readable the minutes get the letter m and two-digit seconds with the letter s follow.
6h13
